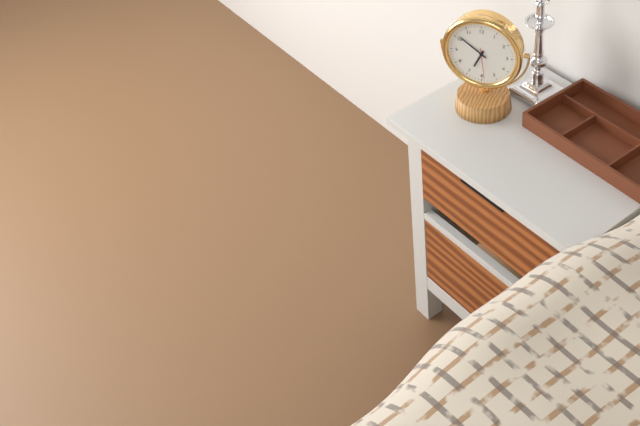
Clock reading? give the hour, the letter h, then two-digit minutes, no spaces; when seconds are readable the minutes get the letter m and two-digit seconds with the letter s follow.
6h51
